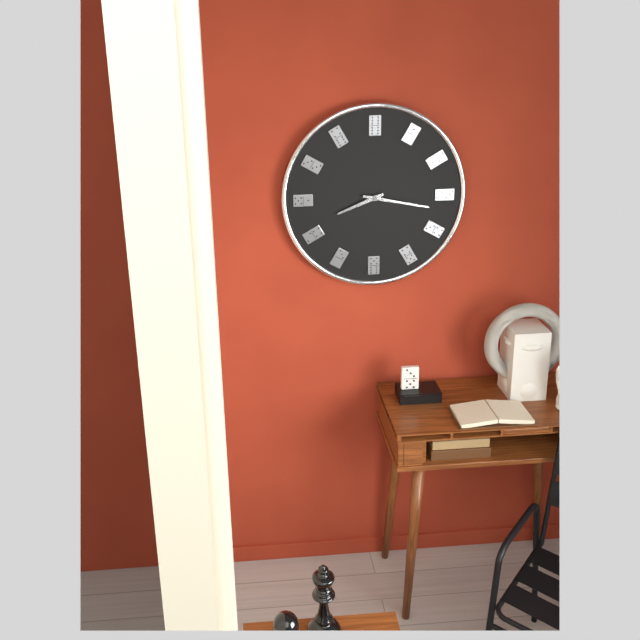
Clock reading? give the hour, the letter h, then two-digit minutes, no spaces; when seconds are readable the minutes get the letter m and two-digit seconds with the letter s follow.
8h17
